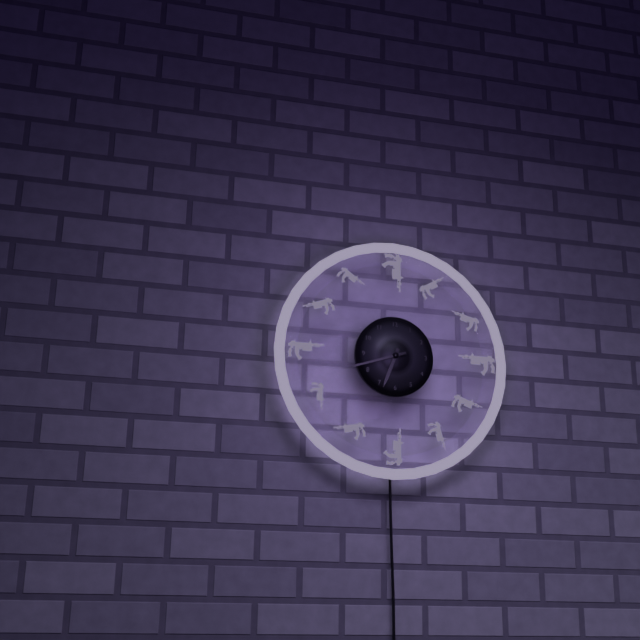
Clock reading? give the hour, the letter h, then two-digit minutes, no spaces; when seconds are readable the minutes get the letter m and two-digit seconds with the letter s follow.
6h42
